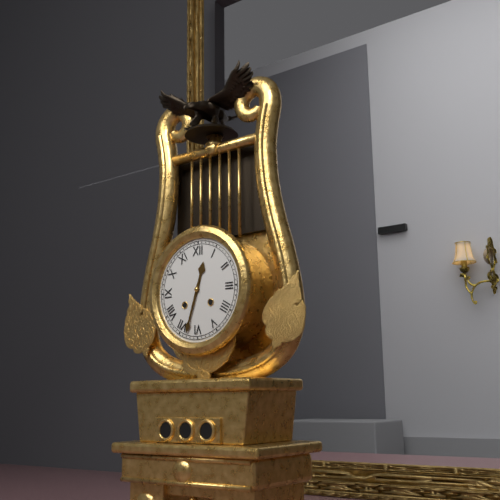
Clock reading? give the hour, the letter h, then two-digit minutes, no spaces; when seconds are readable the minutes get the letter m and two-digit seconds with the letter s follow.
12h33
